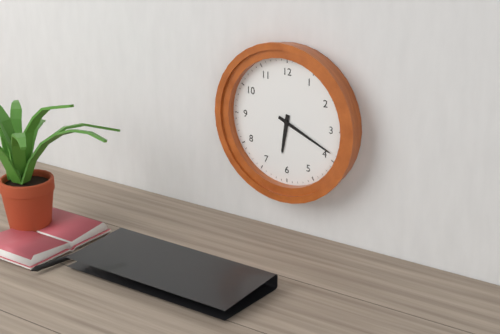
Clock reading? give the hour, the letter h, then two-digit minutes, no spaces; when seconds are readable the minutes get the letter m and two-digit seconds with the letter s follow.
6h19
